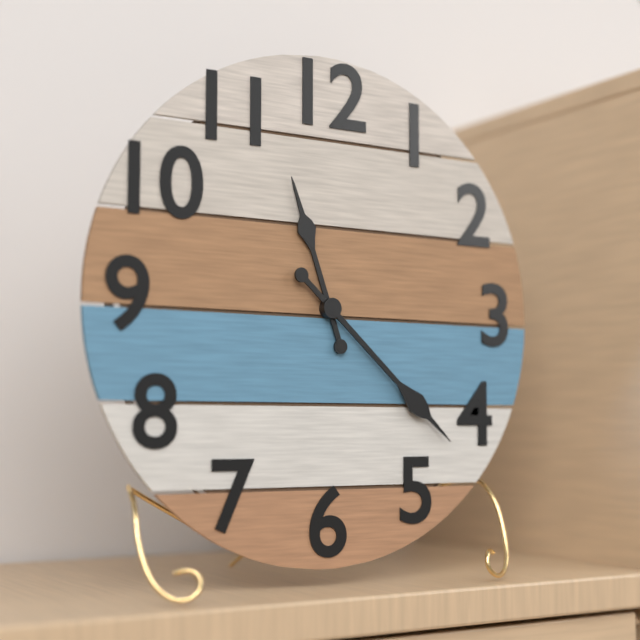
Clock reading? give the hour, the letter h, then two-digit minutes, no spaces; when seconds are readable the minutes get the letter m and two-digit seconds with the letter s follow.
11h22
